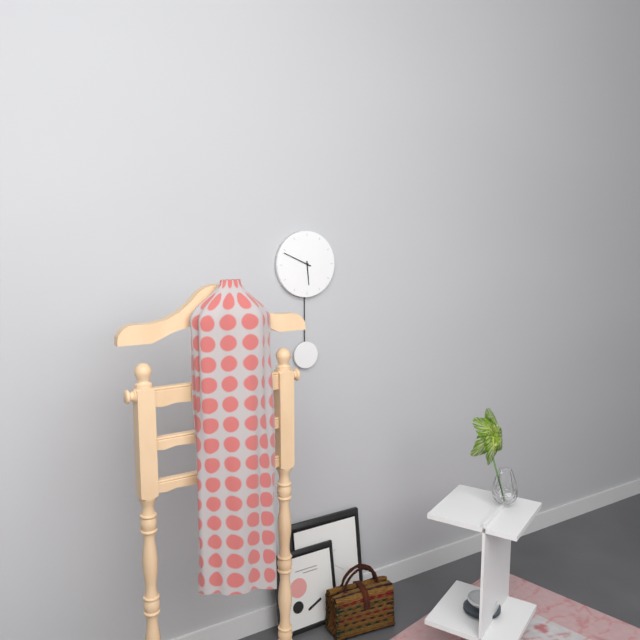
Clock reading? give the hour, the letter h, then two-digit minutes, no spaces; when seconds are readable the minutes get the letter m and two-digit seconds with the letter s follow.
5h49
